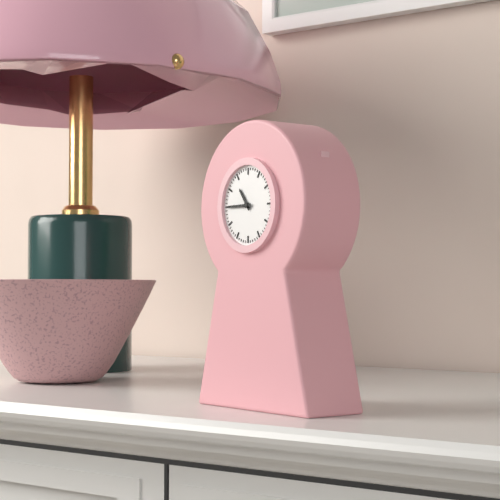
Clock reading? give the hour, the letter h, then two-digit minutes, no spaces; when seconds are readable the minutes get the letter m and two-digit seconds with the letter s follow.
10h45
